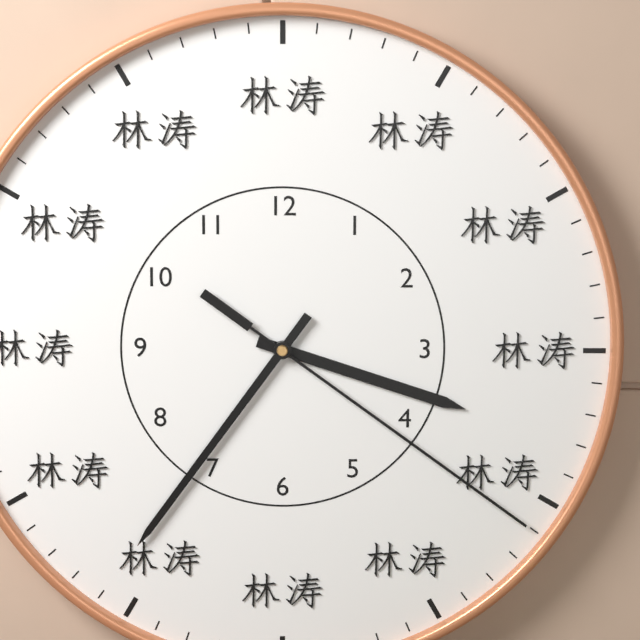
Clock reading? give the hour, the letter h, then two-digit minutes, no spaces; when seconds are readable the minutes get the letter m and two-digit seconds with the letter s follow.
3h36m21s
